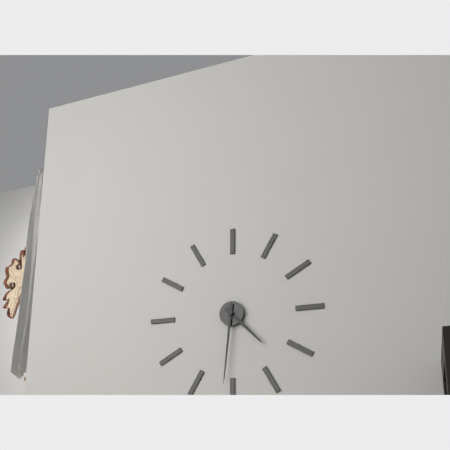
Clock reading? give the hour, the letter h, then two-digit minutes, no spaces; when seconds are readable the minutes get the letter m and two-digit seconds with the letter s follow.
4h31
